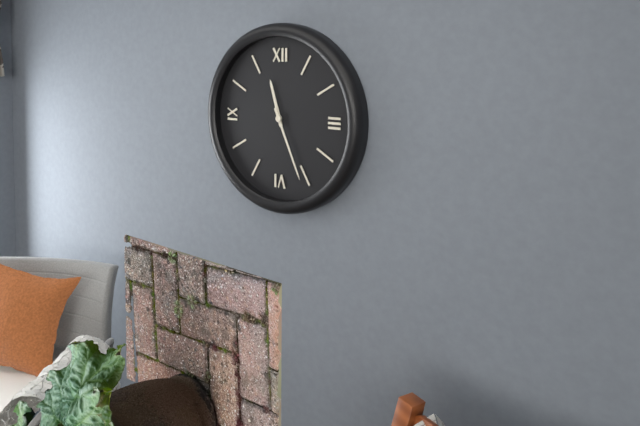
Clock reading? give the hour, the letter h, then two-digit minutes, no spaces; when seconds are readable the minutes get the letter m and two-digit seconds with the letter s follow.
11h26
